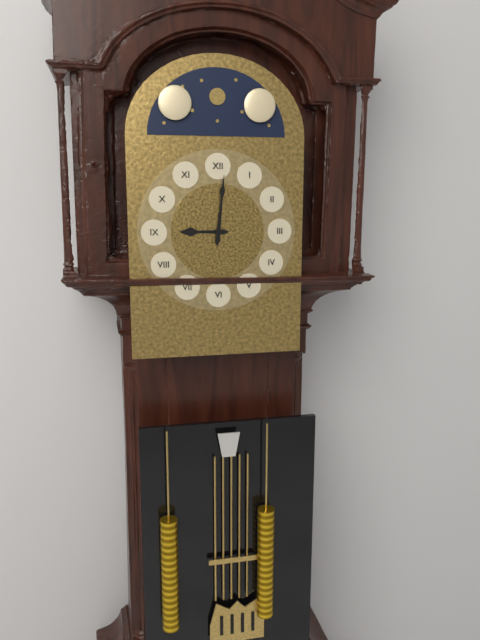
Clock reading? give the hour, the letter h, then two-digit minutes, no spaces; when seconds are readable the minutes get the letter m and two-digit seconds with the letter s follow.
9h01
